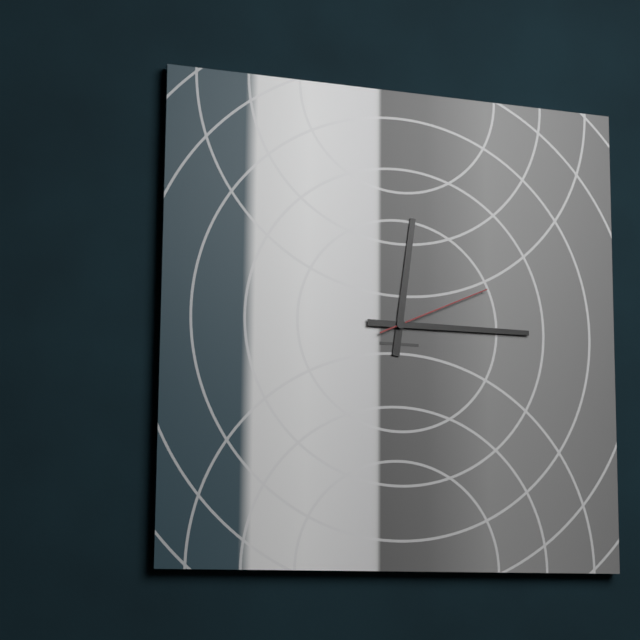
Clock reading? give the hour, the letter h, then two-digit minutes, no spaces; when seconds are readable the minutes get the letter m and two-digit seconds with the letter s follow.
12h15m11s
